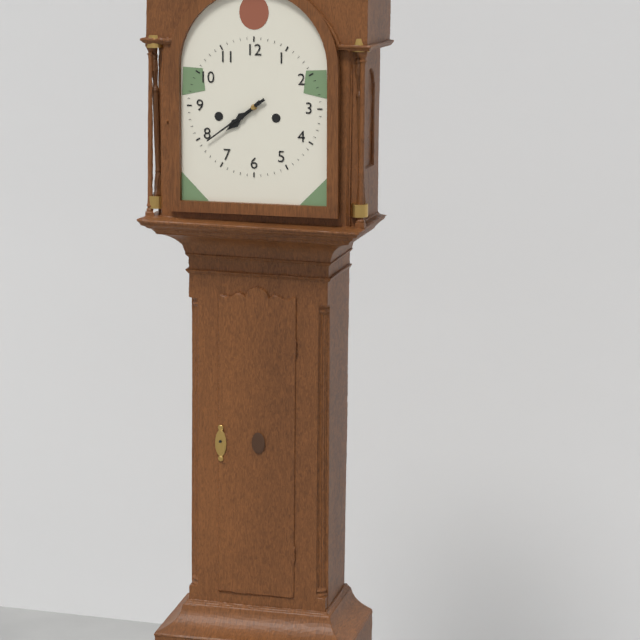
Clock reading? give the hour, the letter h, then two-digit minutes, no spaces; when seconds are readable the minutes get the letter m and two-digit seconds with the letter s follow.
7h39
